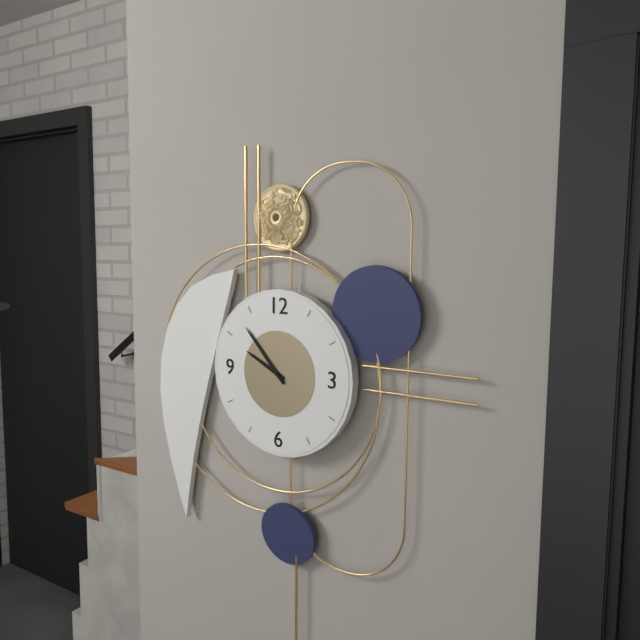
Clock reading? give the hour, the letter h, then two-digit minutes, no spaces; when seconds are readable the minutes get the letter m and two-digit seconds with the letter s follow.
9h53
